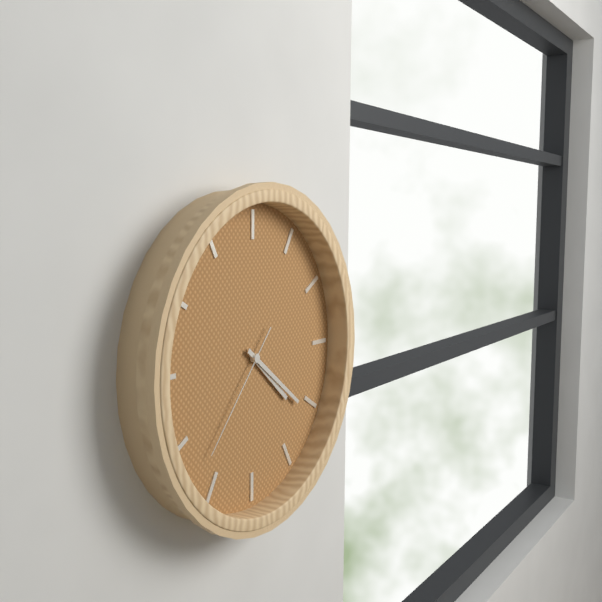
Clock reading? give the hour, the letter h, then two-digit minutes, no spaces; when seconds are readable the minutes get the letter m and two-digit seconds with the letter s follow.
4h21m37s
